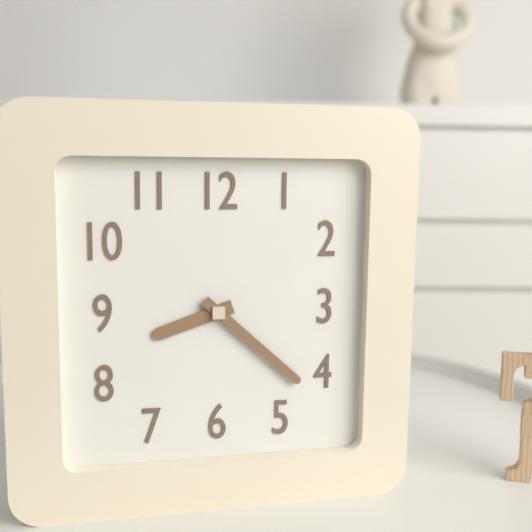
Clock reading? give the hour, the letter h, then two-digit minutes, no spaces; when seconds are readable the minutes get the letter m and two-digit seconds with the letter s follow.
8h22
